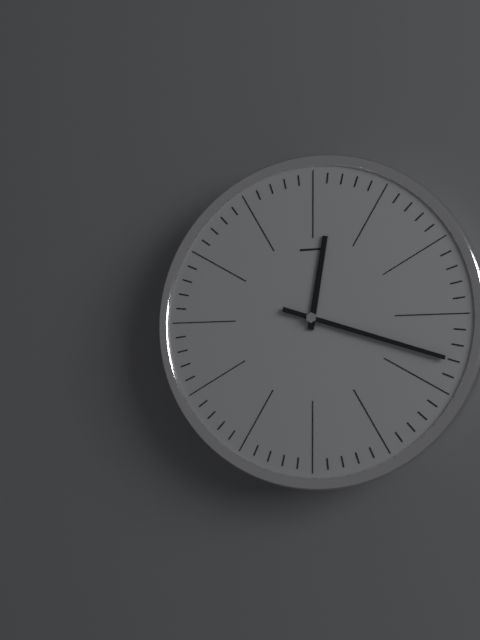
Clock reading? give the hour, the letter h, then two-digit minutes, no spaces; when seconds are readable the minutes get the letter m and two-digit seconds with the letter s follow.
12h18
